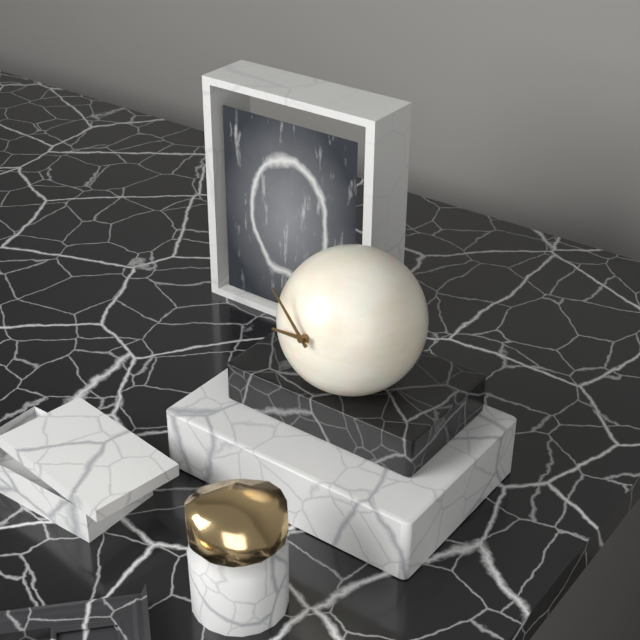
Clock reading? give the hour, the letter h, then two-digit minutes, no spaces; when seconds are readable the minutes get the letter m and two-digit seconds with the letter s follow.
8h52
